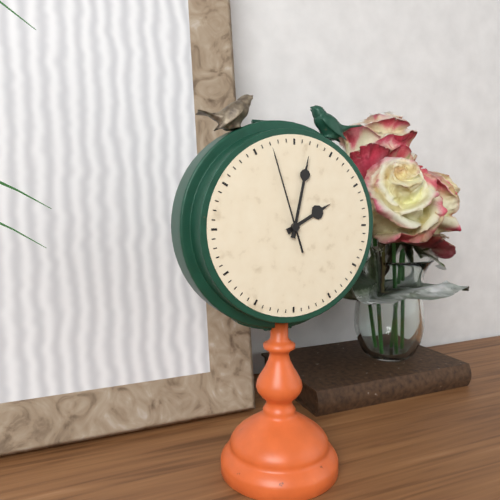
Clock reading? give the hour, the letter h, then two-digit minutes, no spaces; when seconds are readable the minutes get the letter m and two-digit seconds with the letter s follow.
2h02m57s
